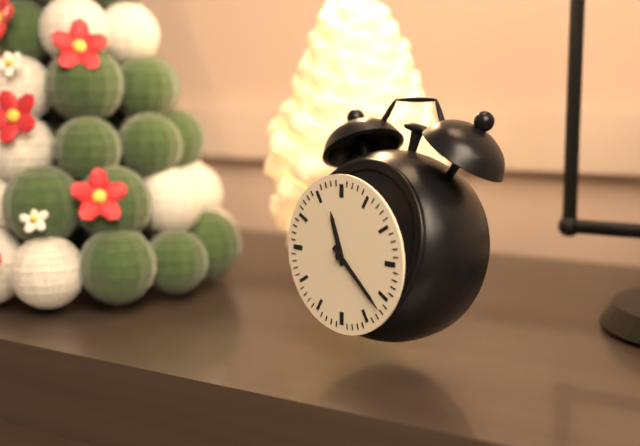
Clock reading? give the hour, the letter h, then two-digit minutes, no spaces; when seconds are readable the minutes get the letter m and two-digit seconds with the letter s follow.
11h22
